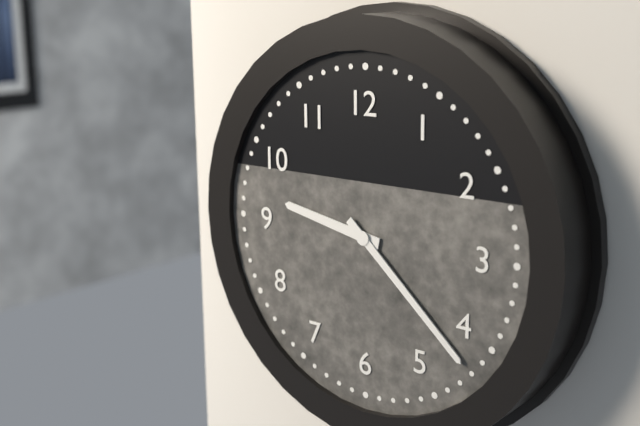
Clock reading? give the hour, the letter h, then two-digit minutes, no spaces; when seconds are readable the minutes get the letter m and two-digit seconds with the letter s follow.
9h22
